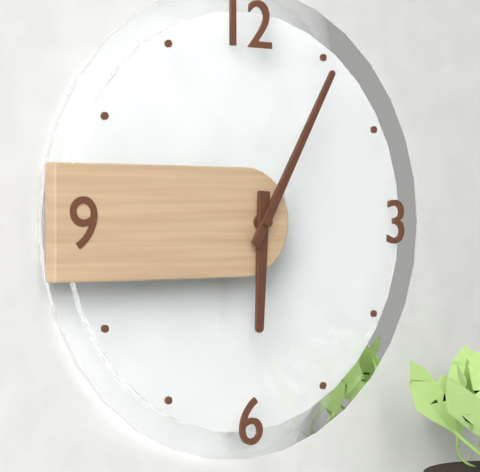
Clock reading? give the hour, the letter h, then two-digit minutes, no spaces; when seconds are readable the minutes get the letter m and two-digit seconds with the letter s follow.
6h05
